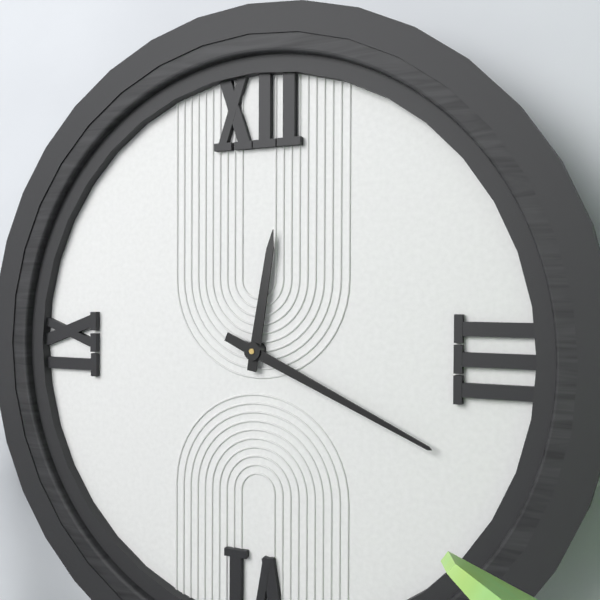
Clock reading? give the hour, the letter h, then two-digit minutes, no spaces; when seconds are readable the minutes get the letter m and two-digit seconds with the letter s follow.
12h19
